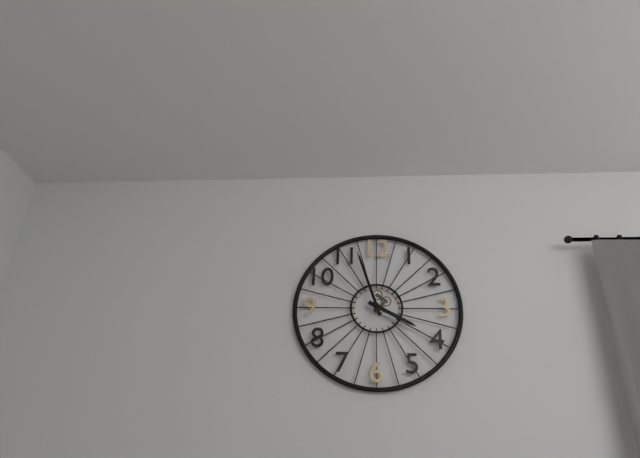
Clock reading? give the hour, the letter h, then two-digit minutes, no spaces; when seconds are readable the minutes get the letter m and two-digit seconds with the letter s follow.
3h57
